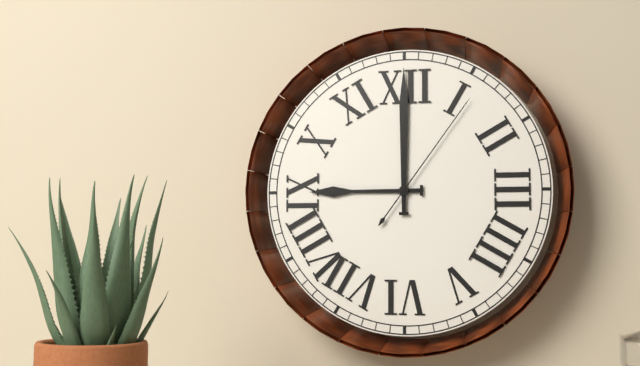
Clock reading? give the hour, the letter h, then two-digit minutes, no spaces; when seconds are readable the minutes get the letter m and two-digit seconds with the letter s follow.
9h00m06s
